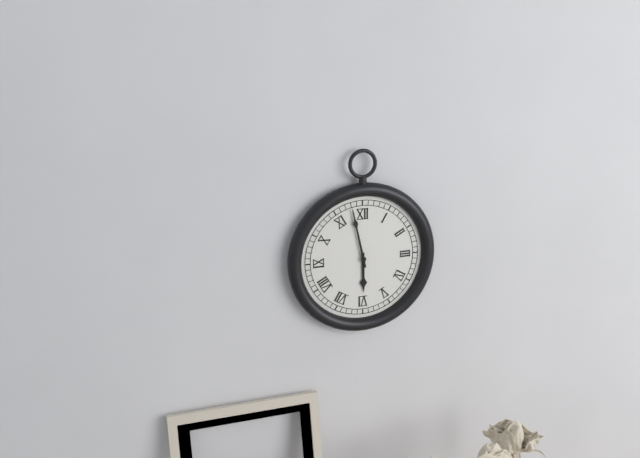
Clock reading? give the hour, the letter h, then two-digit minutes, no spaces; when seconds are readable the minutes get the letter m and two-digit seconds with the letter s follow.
5h58
